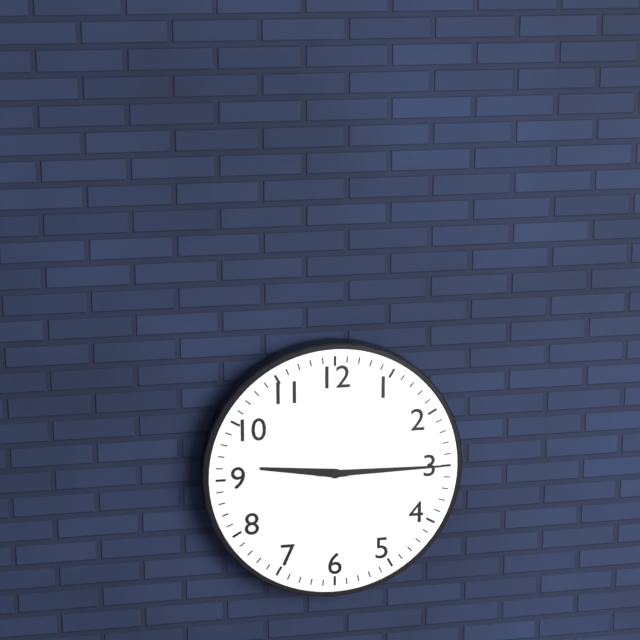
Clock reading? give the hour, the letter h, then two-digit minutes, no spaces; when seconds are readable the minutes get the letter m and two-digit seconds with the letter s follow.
9h15
